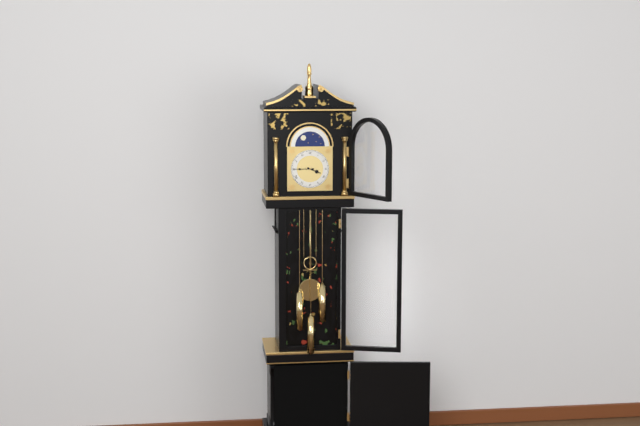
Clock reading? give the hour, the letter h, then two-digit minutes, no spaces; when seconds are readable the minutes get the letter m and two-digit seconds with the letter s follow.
3h45
